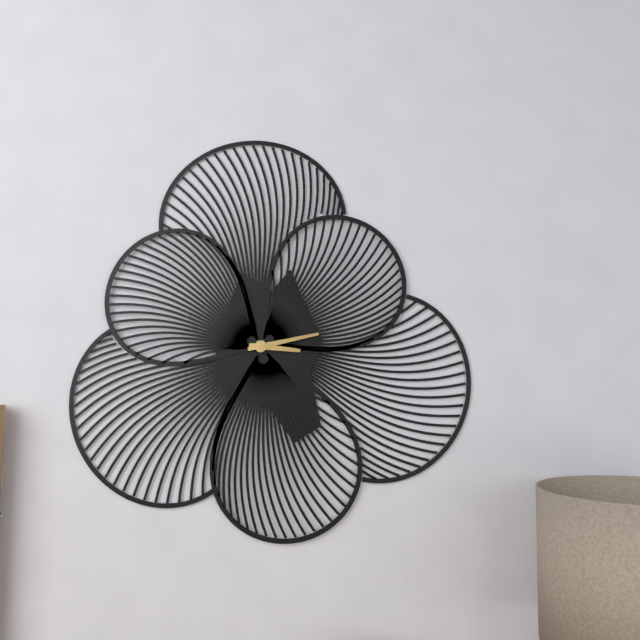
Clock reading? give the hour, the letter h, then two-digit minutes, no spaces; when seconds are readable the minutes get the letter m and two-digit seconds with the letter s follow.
3h13
